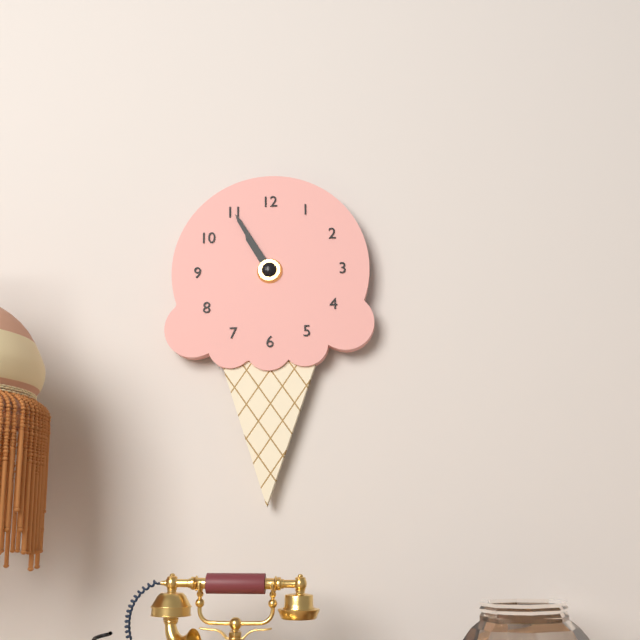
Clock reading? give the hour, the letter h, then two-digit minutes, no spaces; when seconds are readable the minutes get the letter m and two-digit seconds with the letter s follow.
10h55
